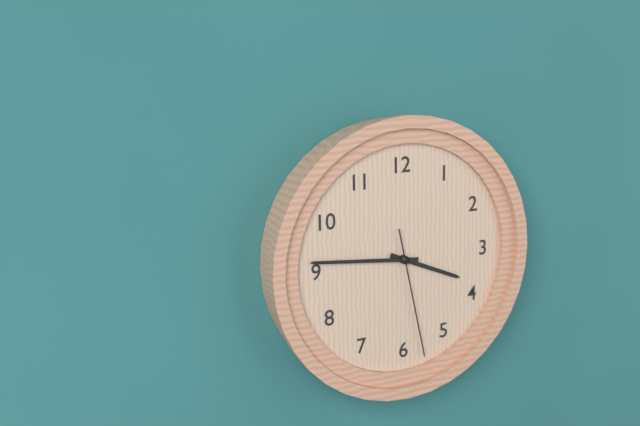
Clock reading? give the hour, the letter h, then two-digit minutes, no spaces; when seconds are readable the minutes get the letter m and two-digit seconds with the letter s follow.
3h46m28s
